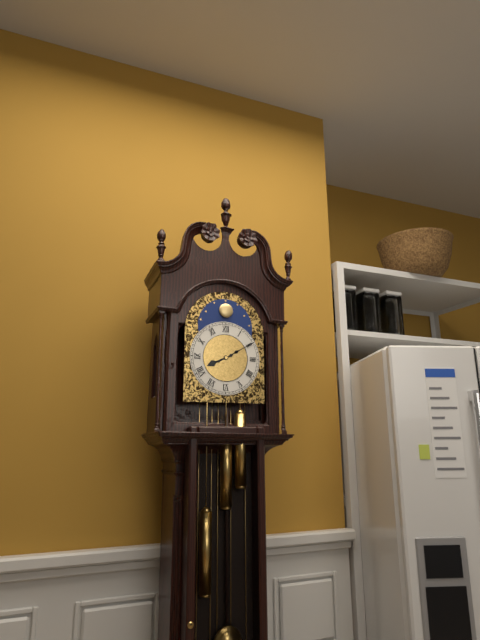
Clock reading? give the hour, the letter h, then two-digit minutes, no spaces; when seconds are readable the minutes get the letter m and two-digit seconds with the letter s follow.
8h10
